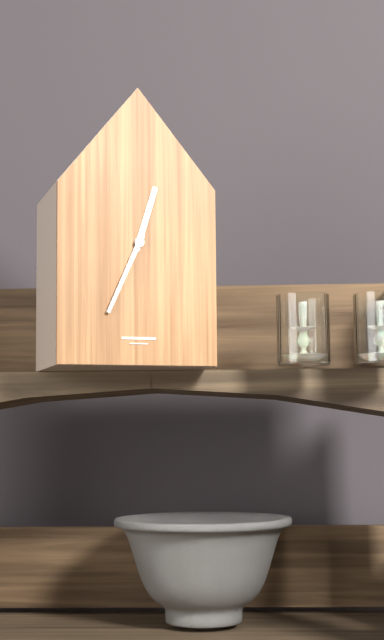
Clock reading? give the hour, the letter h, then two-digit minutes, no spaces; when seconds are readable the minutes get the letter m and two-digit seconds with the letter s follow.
12h34
